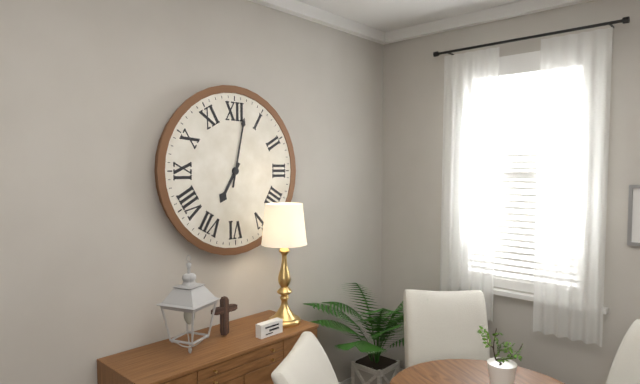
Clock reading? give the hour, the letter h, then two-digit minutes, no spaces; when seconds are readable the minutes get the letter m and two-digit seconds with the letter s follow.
7h02
